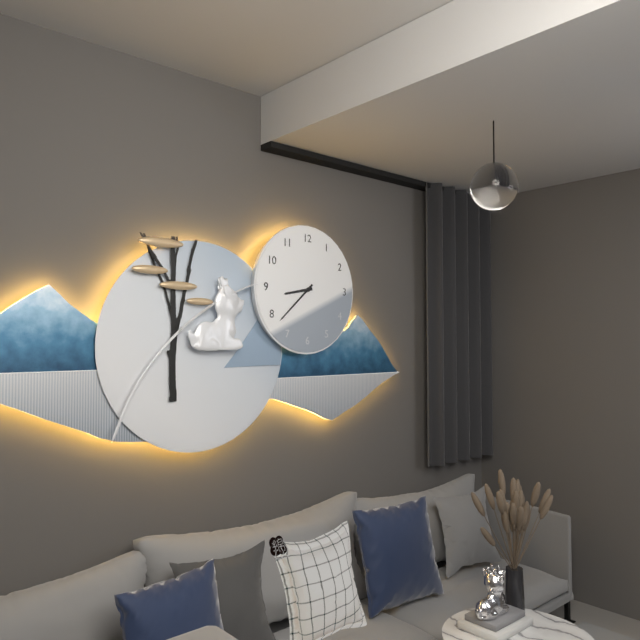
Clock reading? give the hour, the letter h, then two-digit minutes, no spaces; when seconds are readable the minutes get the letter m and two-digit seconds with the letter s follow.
8h38
